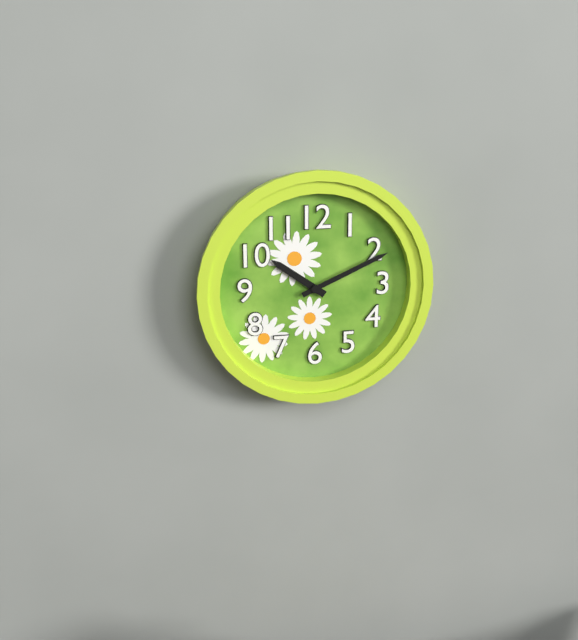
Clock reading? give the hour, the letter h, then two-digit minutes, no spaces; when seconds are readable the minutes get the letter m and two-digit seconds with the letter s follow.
10h11
